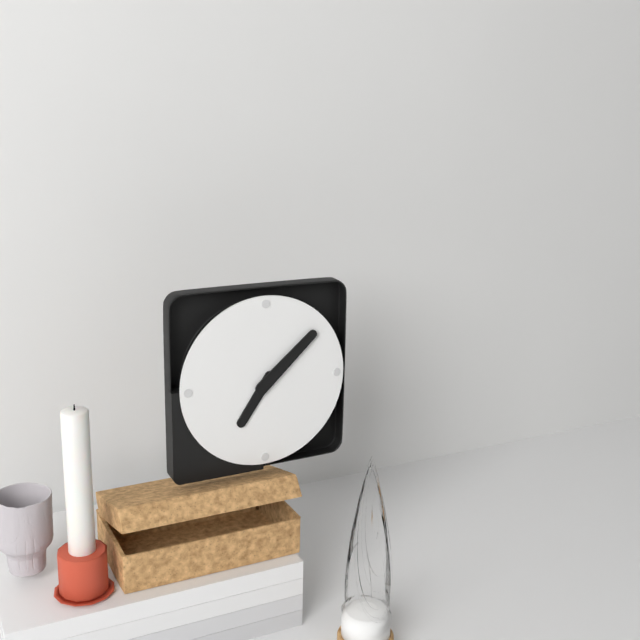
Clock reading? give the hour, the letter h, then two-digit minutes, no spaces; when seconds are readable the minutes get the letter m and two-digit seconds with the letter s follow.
7h08
